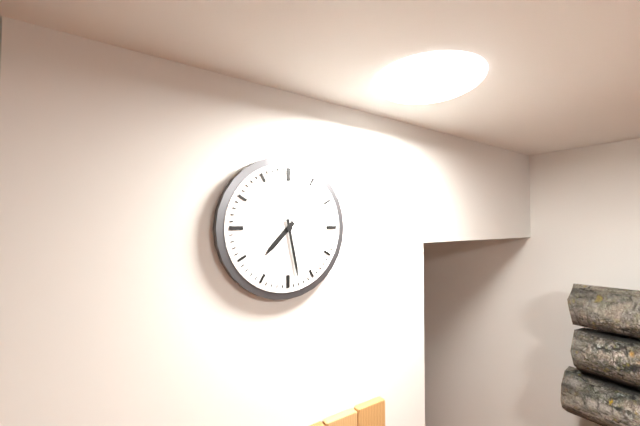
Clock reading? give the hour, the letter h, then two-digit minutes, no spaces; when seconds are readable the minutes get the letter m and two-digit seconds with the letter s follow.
7h28
